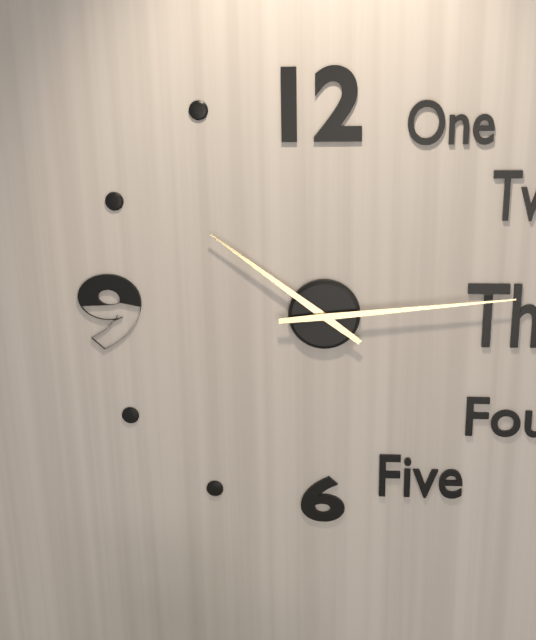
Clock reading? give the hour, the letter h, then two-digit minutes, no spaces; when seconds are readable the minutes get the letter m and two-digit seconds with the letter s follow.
10h14
